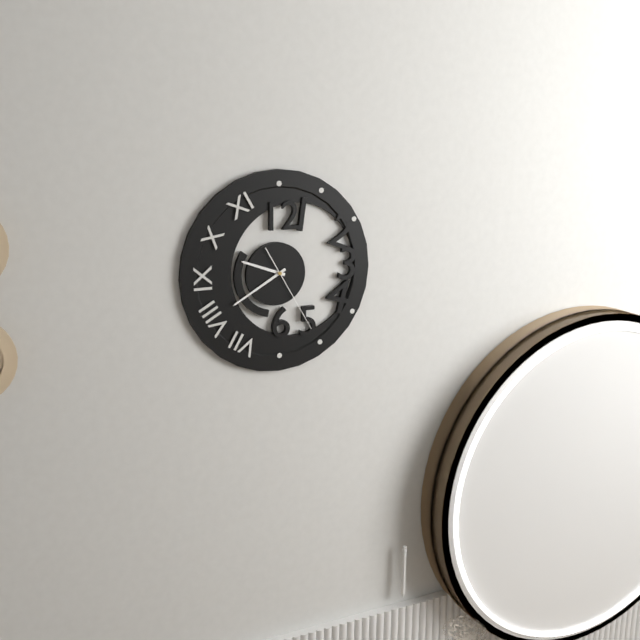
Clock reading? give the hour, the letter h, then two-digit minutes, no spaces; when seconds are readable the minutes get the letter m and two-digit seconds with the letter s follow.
9h40m25s
